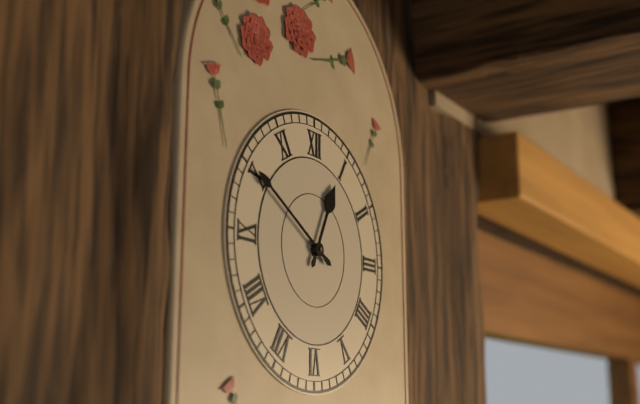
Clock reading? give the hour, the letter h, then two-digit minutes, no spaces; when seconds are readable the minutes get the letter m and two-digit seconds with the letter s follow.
12h50
